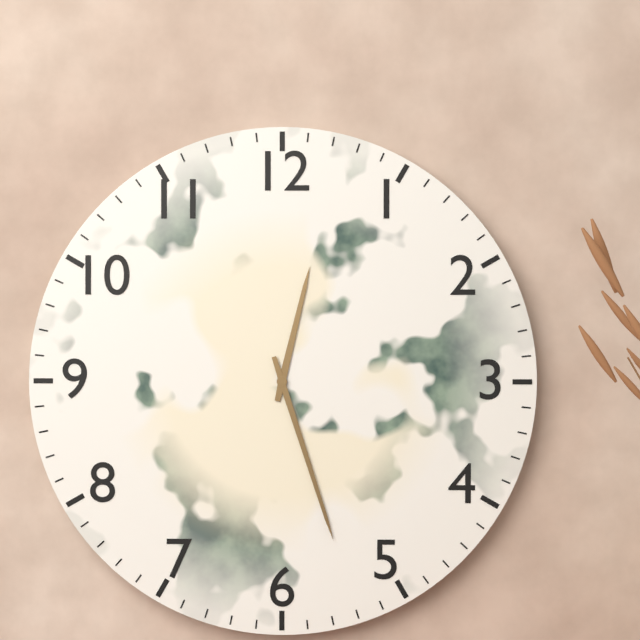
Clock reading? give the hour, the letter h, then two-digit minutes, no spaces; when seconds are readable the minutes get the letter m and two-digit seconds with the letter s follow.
12h27
